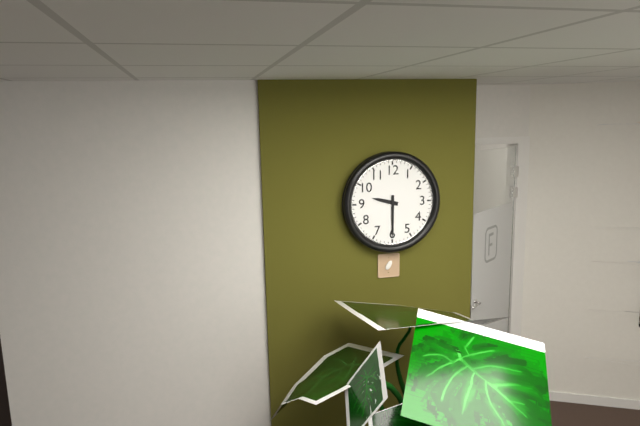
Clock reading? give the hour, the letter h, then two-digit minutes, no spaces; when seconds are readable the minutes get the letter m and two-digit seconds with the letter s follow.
9h30
